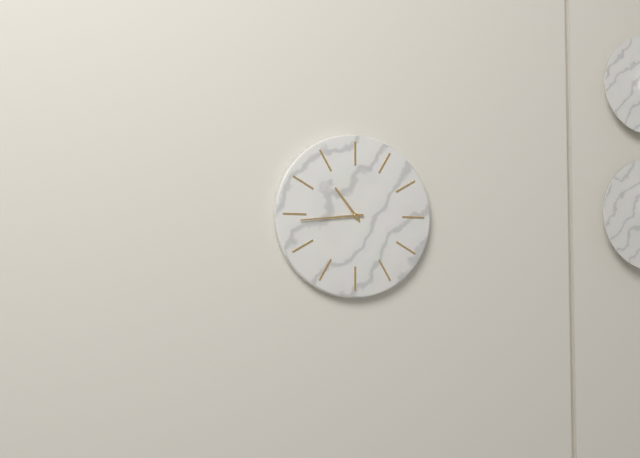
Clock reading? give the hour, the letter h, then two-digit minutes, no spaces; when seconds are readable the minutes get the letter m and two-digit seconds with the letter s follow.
10h44
